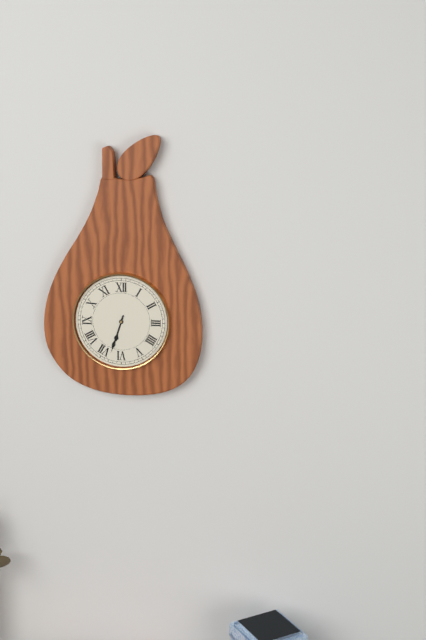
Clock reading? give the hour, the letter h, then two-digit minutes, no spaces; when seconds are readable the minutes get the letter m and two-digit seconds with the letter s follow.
6h33
